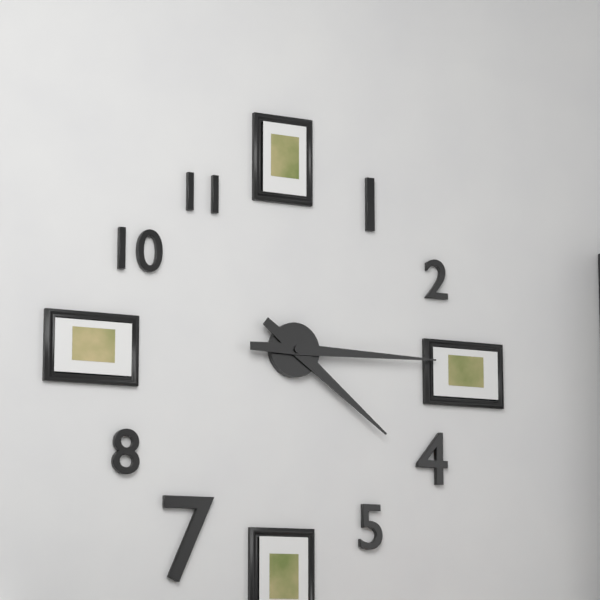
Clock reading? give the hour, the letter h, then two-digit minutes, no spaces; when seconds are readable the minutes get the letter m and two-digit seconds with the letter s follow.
4h15
